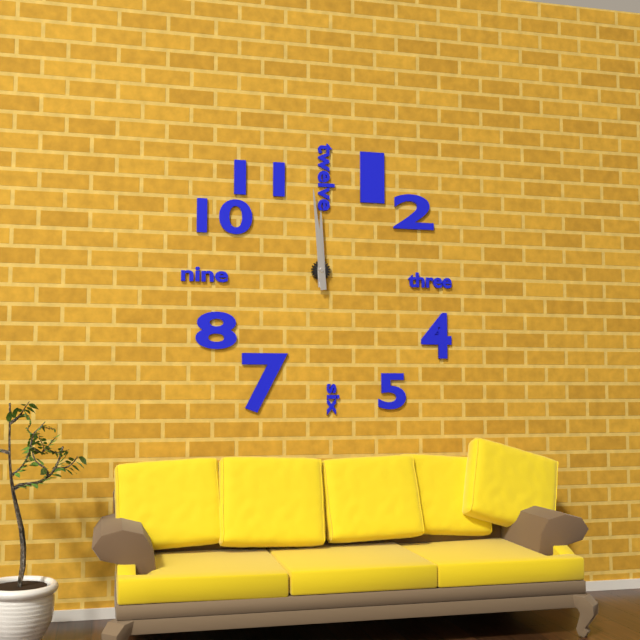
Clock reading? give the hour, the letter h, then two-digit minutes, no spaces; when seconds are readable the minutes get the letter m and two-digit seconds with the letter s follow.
11h59
